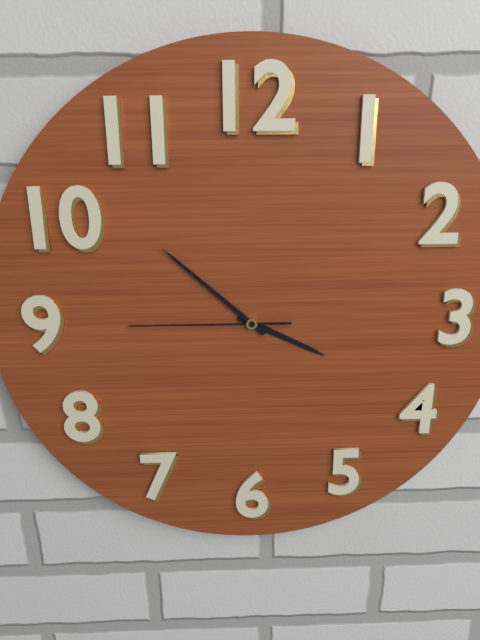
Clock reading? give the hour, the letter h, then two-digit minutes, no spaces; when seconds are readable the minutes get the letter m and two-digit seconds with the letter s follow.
3h52m45s
